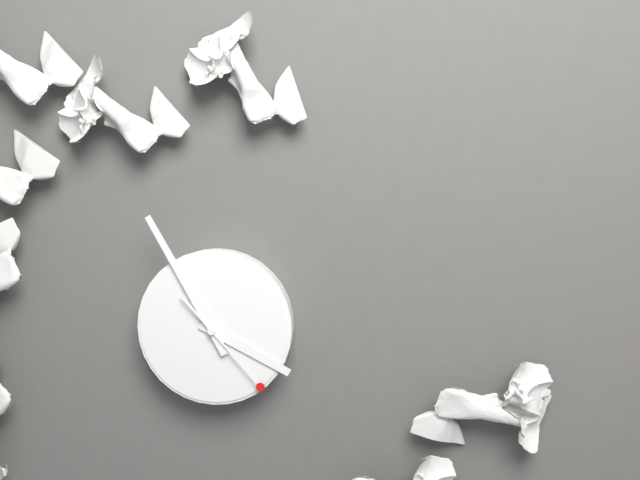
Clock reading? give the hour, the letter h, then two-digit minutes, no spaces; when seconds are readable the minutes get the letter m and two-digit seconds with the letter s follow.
3h55m23s
